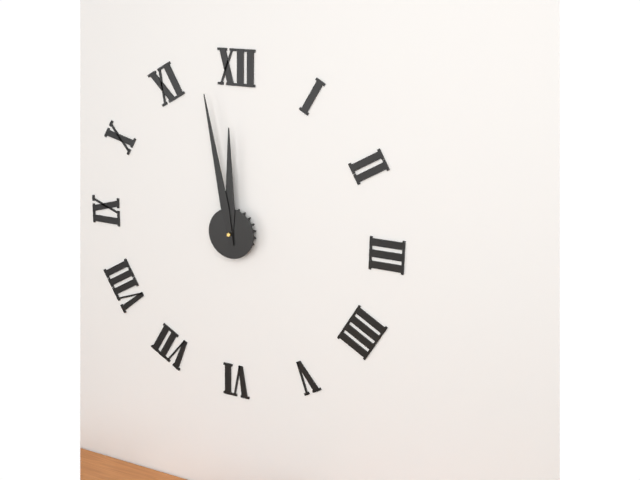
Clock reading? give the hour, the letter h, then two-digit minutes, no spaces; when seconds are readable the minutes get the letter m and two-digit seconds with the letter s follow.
11h58
